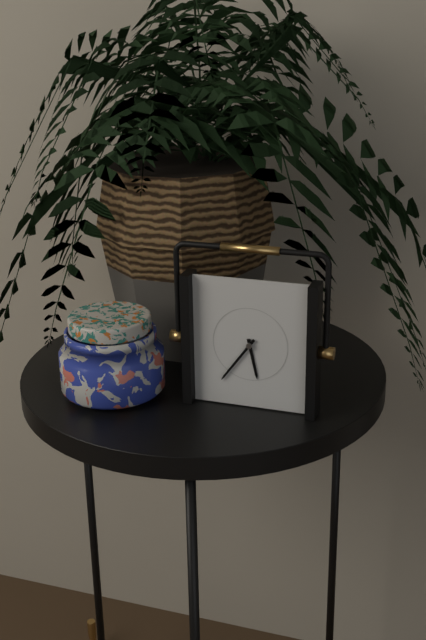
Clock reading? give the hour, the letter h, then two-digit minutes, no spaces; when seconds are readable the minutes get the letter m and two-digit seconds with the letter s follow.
5h36
